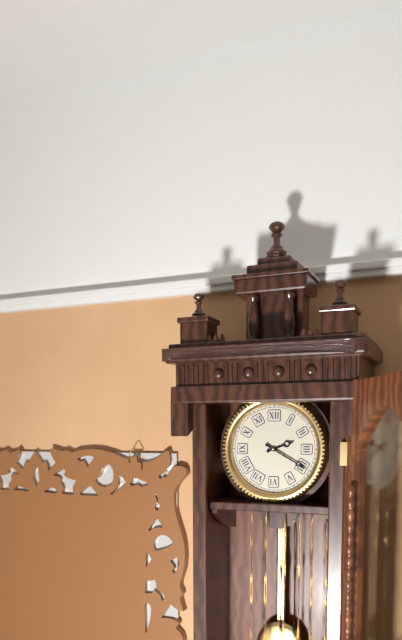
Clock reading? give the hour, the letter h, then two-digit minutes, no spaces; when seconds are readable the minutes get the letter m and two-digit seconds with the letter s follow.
2h20
